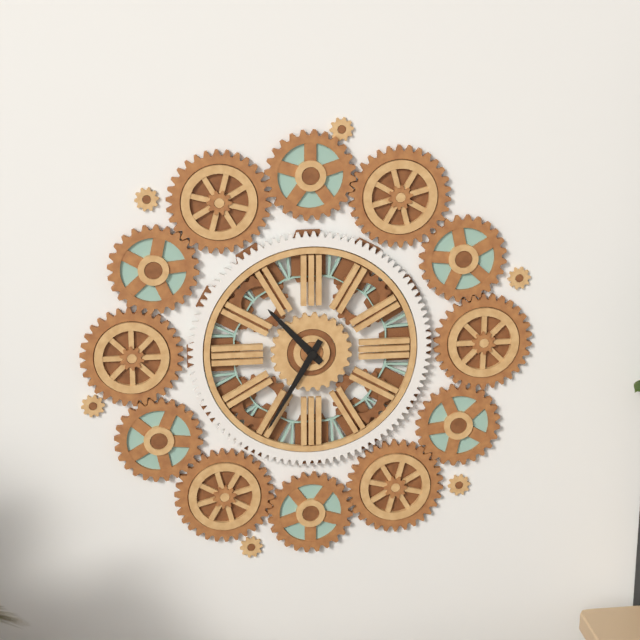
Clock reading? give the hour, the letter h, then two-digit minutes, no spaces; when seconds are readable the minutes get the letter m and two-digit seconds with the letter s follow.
10h35
